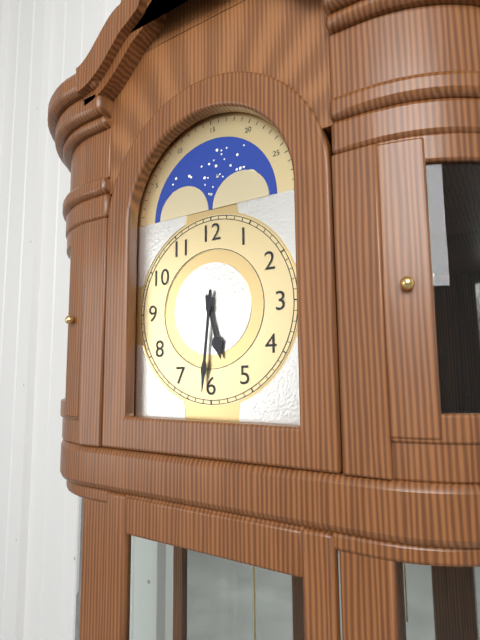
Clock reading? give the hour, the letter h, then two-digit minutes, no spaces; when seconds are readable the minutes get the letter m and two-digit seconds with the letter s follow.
5h31
